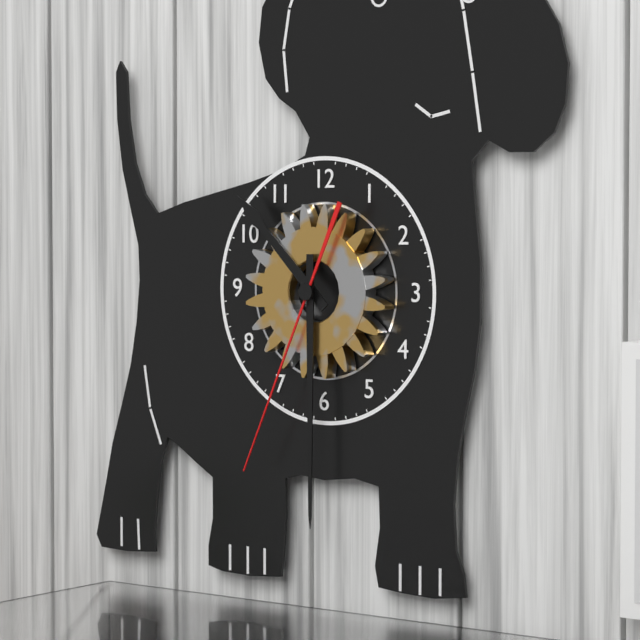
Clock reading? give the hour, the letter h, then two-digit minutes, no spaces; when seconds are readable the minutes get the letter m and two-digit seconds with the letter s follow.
10h30m34s
